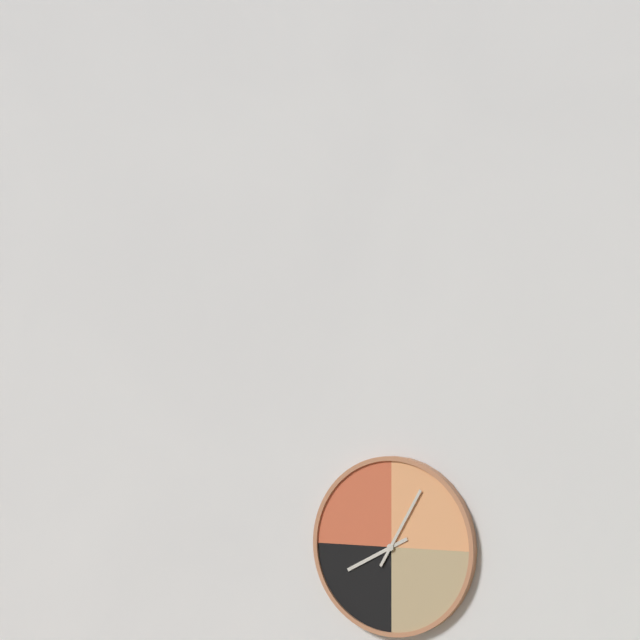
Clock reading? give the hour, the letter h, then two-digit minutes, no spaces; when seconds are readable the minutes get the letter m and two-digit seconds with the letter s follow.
8h05
